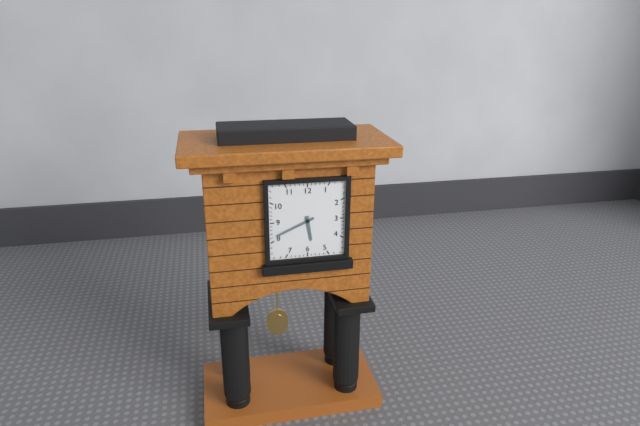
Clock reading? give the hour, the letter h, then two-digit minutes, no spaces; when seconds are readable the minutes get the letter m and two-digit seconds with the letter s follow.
5h41
